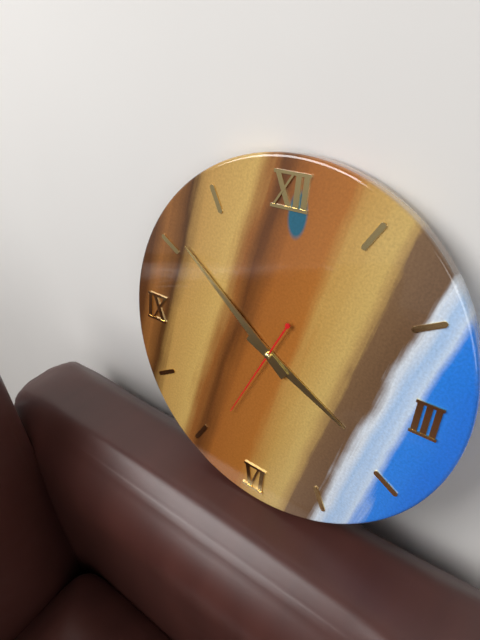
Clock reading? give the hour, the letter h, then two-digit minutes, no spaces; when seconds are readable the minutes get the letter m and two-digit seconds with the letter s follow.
3h51m34s
